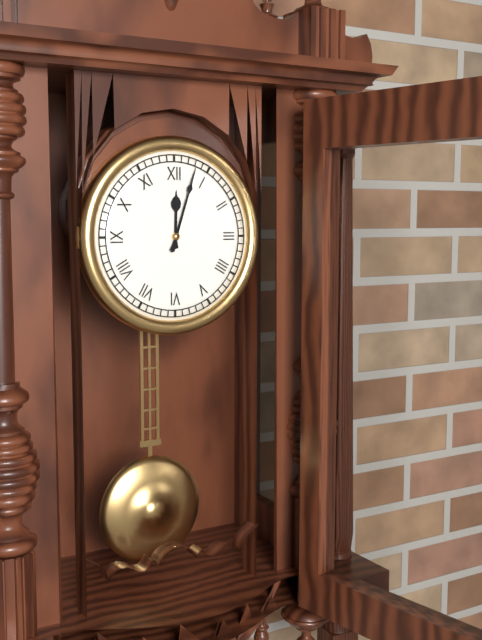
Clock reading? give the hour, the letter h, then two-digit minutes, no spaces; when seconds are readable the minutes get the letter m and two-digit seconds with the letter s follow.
12h03
